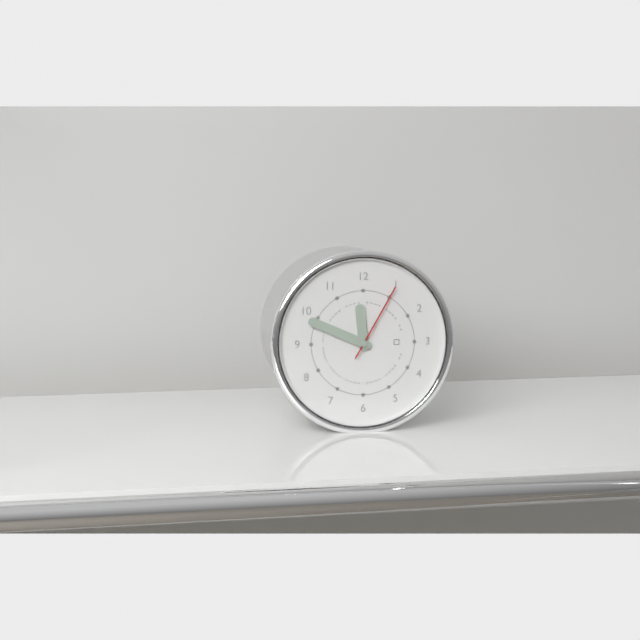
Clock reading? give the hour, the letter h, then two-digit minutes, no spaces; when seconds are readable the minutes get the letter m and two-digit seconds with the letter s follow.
11h49m05s
